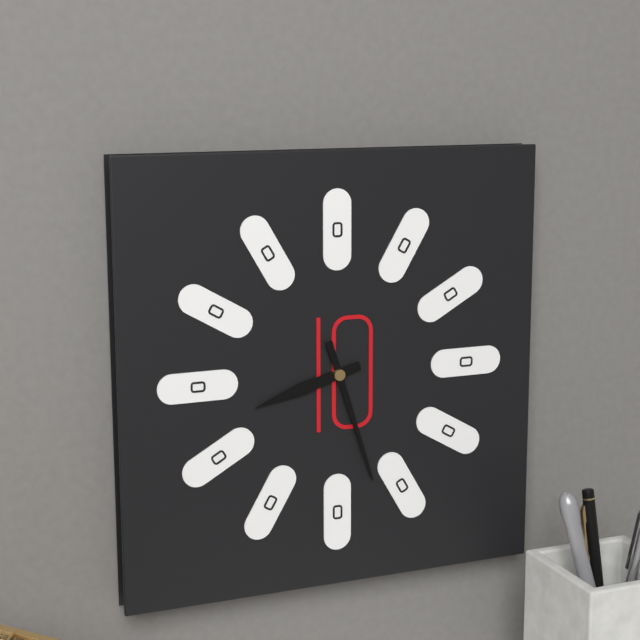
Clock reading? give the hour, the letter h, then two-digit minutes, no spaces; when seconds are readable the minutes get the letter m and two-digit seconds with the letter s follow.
8h27
